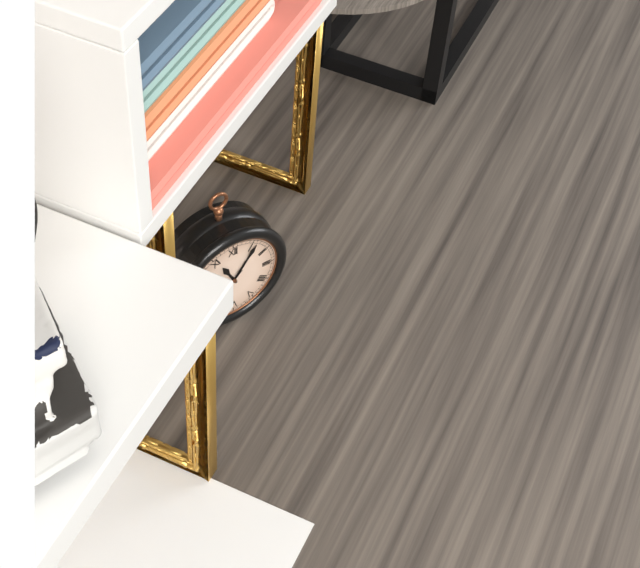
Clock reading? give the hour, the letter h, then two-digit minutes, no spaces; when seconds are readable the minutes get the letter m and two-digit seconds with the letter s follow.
11h06
